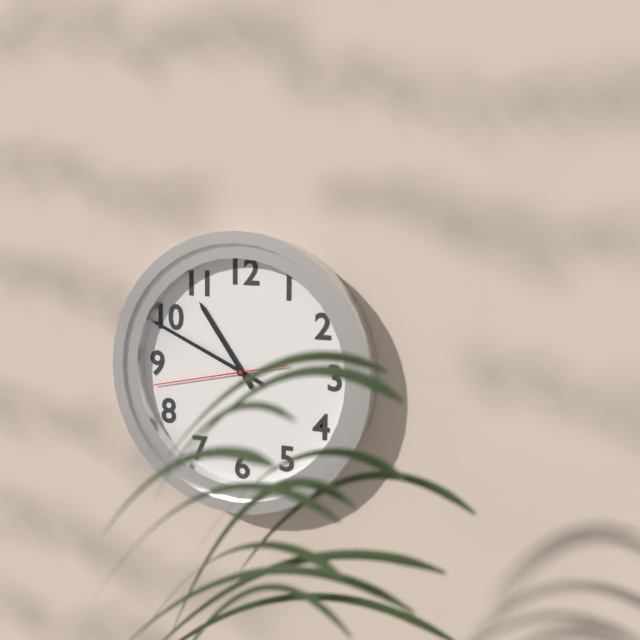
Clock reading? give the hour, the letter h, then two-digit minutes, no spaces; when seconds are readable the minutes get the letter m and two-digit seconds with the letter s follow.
10h49m43s
